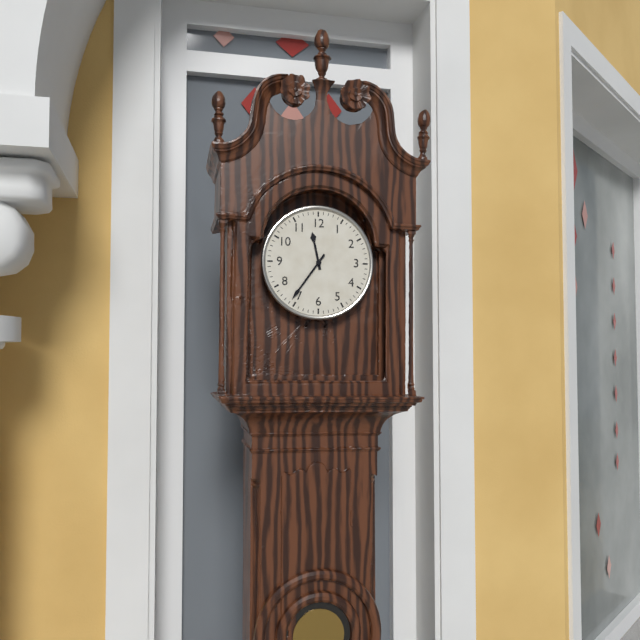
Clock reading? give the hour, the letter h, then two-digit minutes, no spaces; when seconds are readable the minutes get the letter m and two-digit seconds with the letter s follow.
11h36
